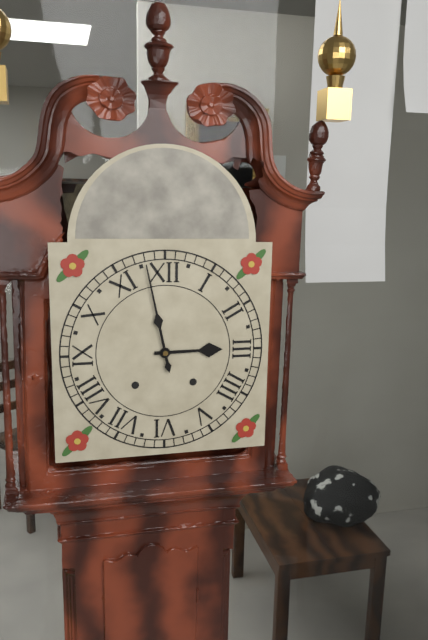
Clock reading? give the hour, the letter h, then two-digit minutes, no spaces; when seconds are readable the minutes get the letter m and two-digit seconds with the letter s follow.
2h58
